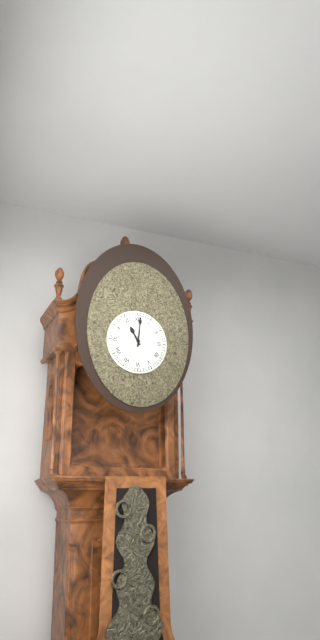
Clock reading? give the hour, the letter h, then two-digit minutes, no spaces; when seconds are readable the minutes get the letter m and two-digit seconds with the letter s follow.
11h01
